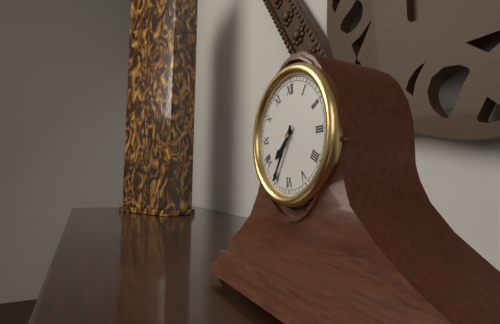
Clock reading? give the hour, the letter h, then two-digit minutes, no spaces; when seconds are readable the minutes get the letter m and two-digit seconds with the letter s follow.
7h35
